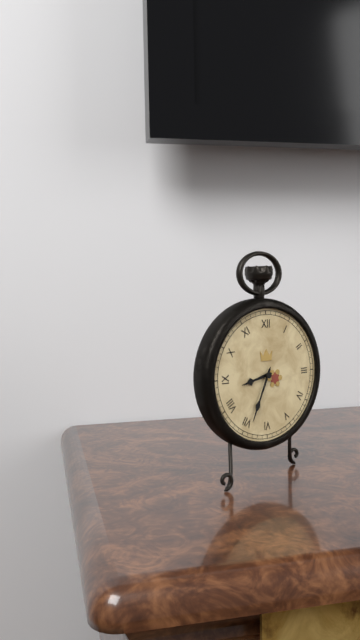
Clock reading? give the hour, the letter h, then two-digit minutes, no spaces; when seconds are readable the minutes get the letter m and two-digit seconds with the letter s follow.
8h34
